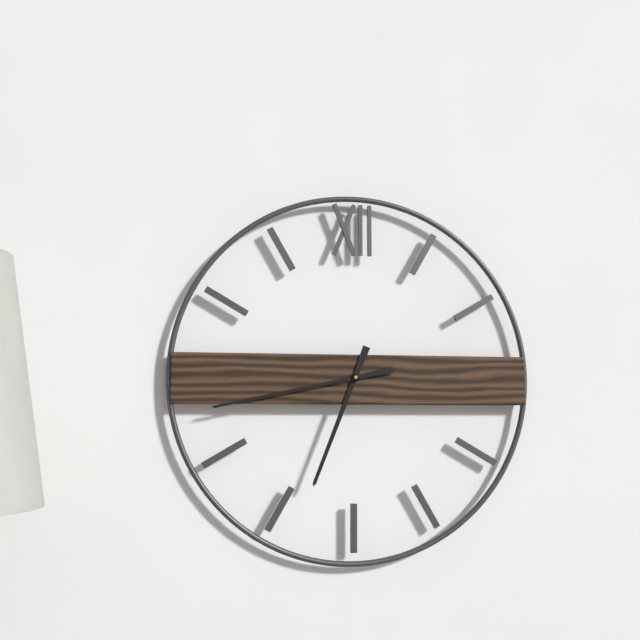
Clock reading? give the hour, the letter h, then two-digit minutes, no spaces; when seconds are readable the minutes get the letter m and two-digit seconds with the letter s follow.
6h43
